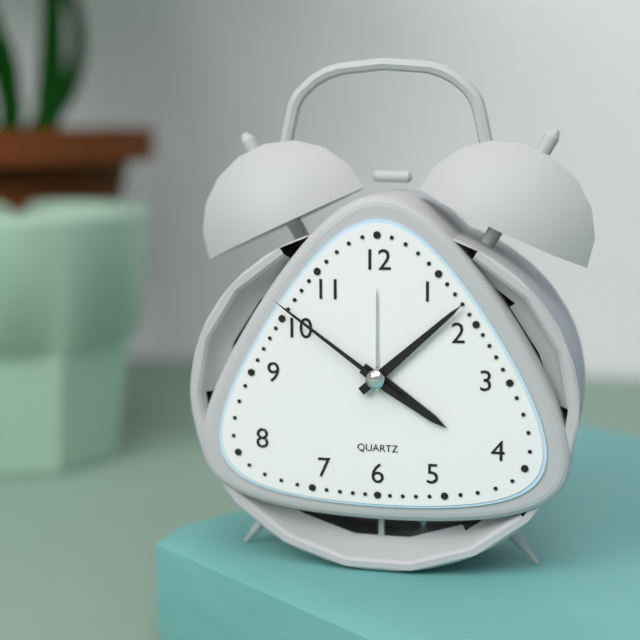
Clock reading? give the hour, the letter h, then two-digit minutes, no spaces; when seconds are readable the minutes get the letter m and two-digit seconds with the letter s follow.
4h08m51s
